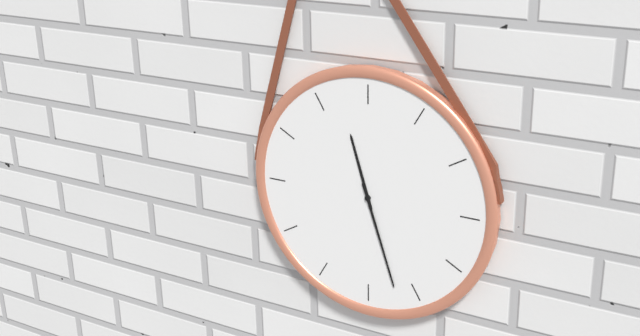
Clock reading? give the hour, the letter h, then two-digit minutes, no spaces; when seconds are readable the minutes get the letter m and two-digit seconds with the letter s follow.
11h27
